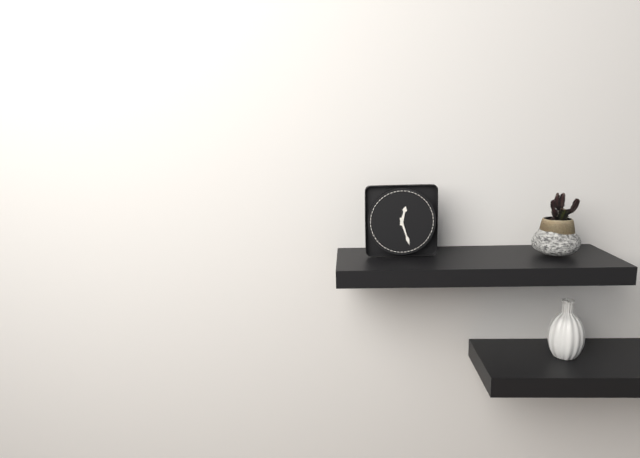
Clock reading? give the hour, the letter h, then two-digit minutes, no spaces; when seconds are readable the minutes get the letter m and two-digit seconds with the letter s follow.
12h27
